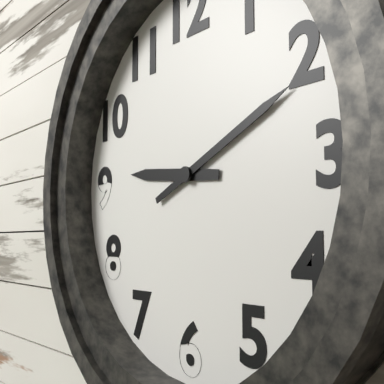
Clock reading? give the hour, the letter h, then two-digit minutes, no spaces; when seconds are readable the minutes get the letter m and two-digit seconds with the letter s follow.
9h11
